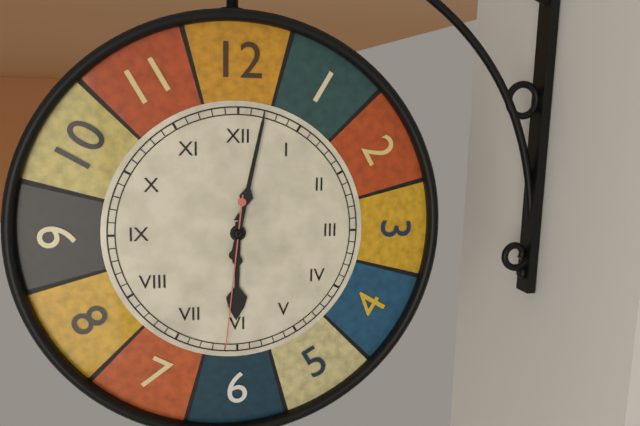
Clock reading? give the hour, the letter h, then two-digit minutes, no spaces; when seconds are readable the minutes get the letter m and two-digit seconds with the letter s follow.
6h02m31s
